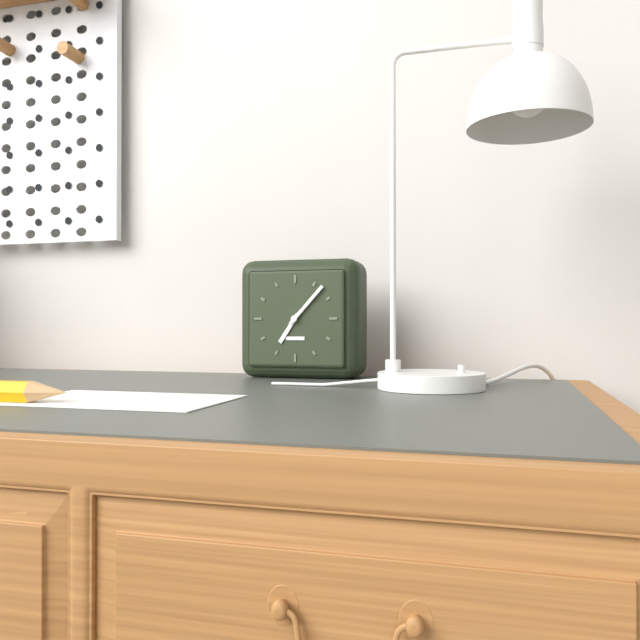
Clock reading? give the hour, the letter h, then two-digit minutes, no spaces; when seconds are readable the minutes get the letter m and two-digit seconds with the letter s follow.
7h07
